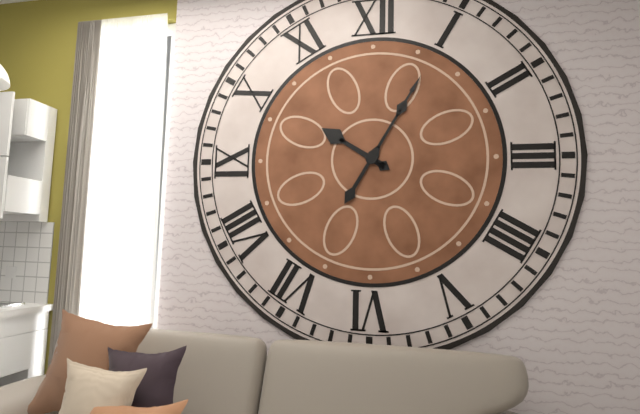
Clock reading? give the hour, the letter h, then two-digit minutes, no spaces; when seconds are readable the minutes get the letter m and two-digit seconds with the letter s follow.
10h05
